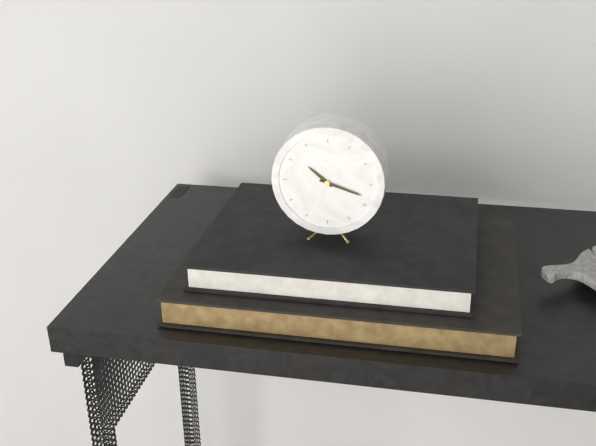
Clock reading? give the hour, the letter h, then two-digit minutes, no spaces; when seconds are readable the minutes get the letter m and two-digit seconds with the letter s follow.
10h18
